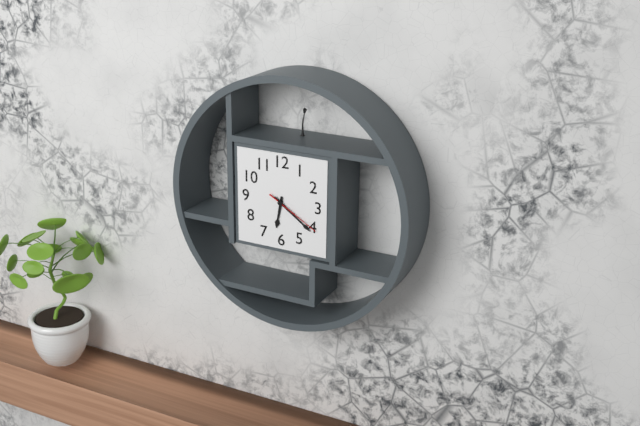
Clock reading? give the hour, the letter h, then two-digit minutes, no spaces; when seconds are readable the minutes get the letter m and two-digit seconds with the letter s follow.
6h21m20s
